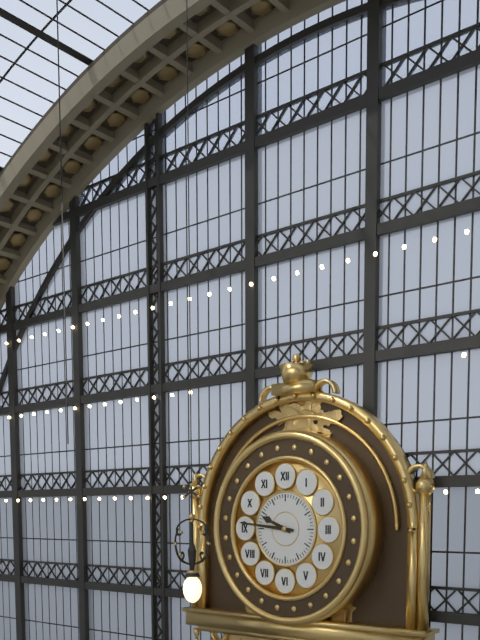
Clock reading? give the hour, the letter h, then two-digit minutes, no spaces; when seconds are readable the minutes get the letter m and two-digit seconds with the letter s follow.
9h46
